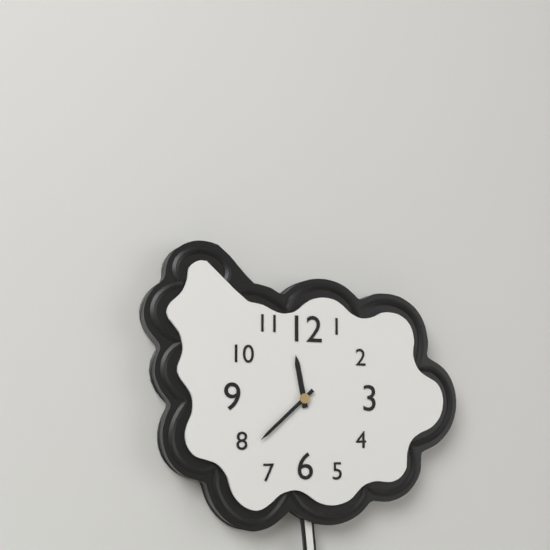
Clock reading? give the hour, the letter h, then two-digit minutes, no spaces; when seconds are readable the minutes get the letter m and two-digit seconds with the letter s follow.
11h38
